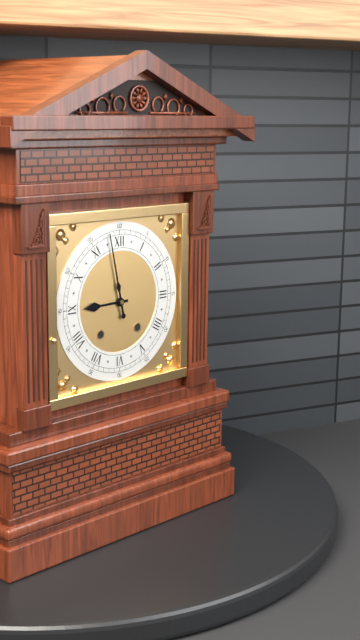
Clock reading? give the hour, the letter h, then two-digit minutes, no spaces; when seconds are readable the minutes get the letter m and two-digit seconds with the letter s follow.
8h58
